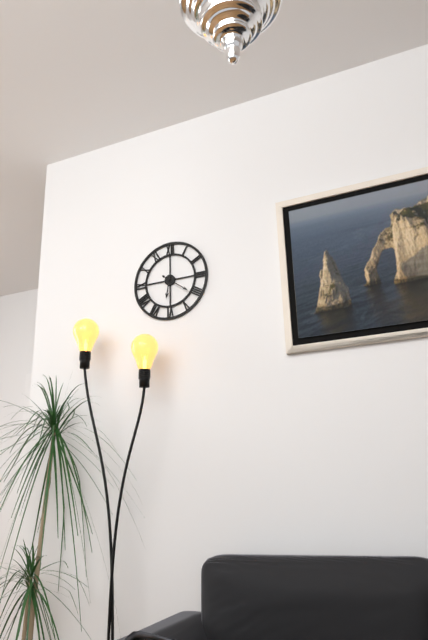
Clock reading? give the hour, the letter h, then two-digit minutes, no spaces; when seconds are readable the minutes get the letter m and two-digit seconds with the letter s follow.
6h21
